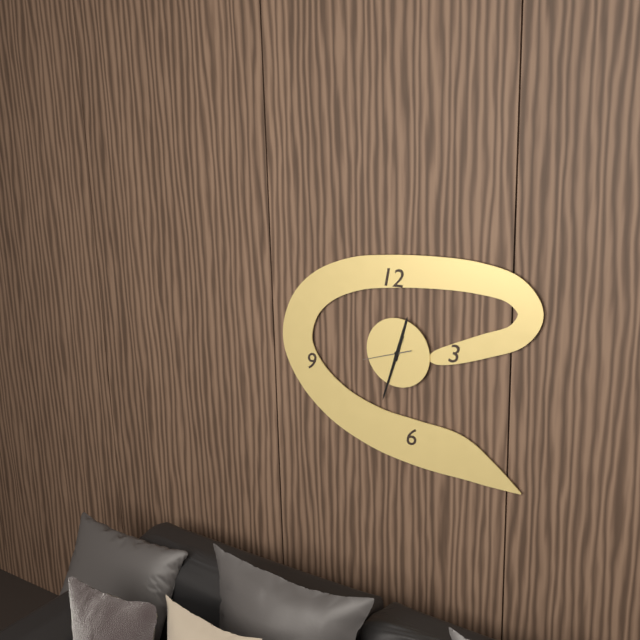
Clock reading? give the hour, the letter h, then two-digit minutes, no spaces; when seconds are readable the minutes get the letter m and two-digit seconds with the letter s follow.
12h33
